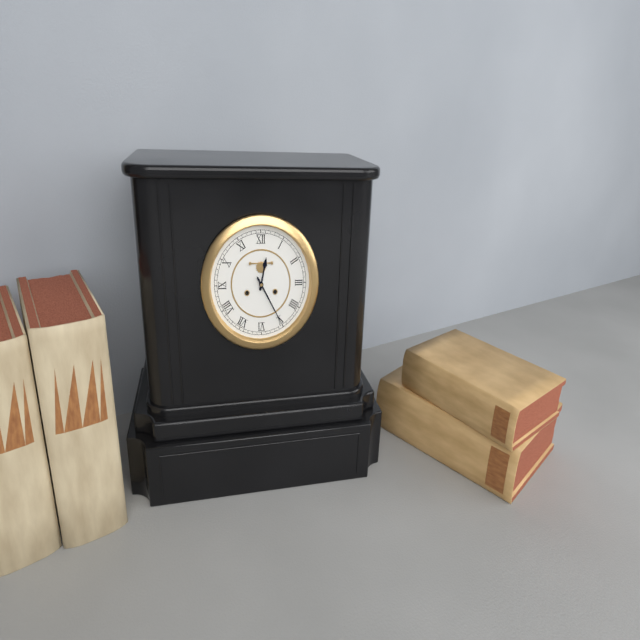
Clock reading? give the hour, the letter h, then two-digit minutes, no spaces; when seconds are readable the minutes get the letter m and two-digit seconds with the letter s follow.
12h25
